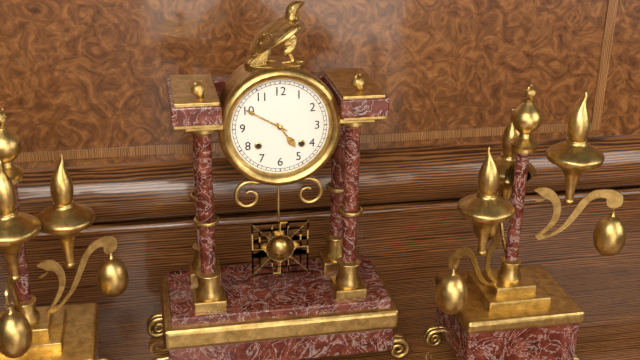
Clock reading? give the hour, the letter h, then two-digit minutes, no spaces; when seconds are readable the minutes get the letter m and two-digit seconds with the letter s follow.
4h50
